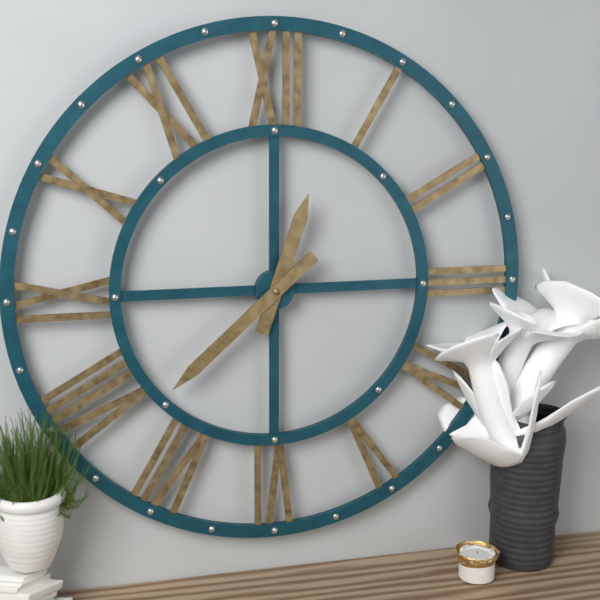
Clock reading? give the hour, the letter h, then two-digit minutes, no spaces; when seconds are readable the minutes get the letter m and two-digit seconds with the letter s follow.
12h38
